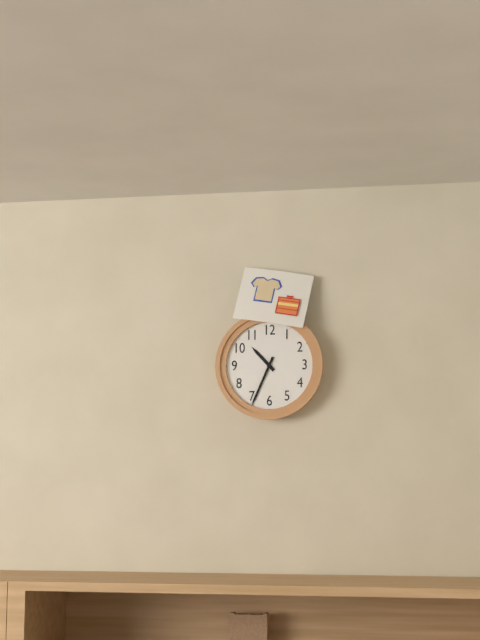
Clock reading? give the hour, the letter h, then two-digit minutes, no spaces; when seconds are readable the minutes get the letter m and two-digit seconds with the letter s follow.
10h34
